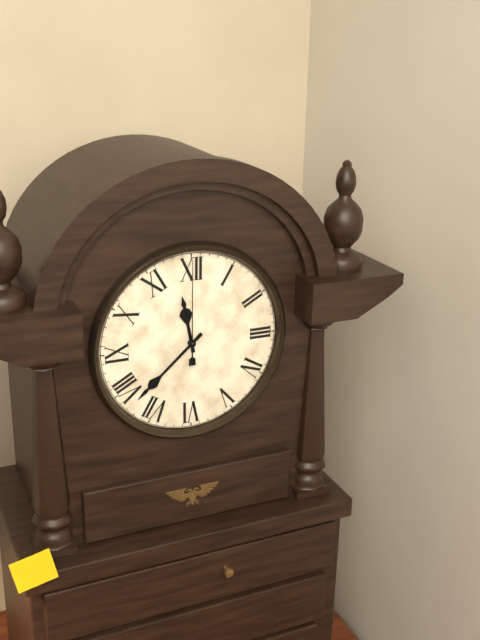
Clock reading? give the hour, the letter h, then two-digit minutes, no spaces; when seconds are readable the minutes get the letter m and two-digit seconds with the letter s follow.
11h38m00s
